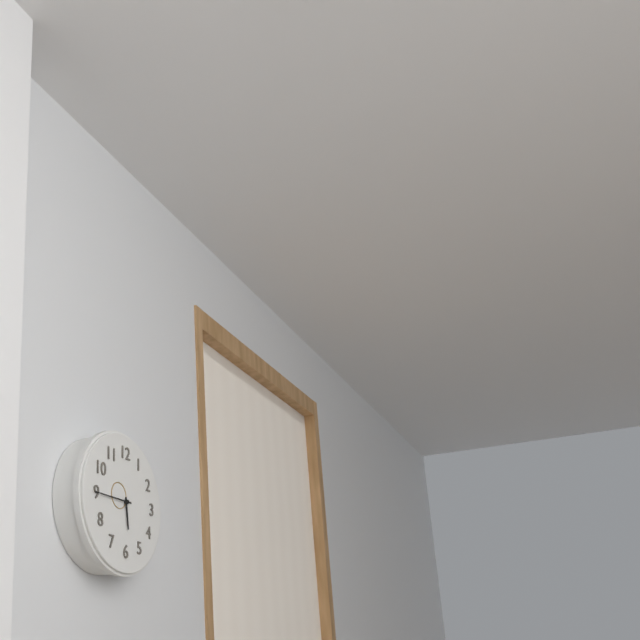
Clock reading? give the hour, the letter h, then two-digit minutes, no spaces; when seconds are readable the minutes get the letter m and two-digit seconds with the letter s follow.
5h45
